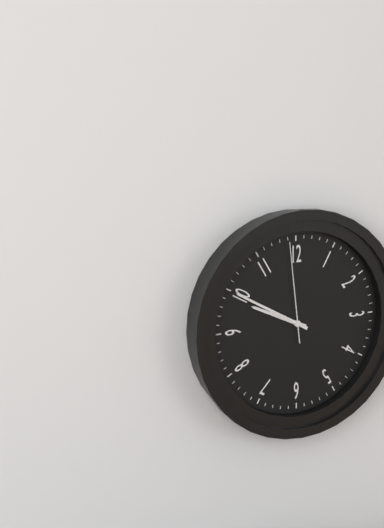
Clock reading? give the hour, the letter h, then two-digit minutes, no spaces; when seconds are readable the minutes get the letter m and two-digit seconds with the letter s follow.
9h50m59s
